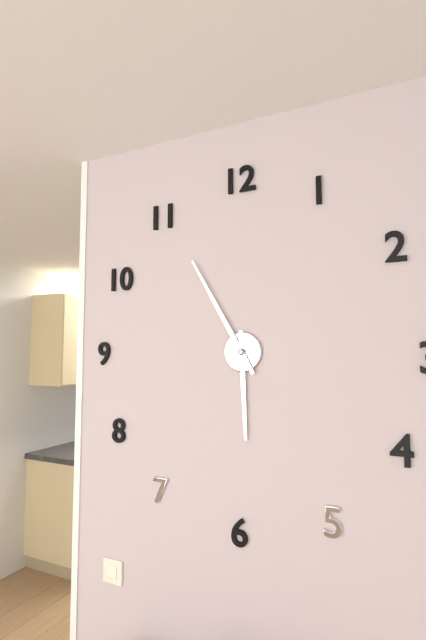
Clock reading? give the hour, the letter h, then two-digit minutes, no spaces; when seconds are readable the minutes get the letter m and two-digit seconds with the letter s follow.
5h55
